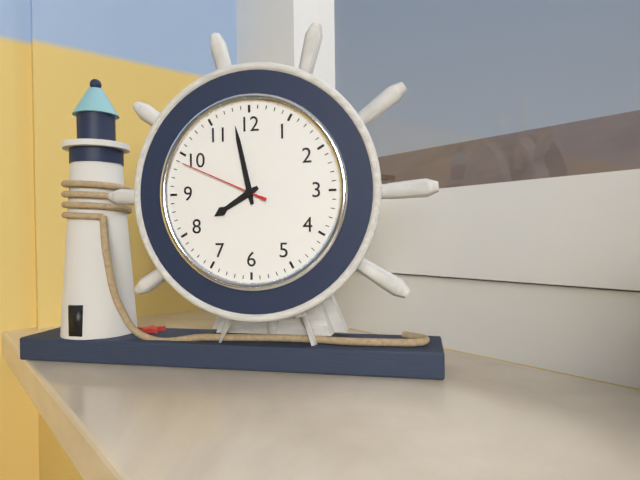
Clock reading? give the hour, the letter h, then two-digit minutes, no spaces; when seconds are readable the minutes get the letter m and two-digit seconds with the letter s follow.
7h58m49s
